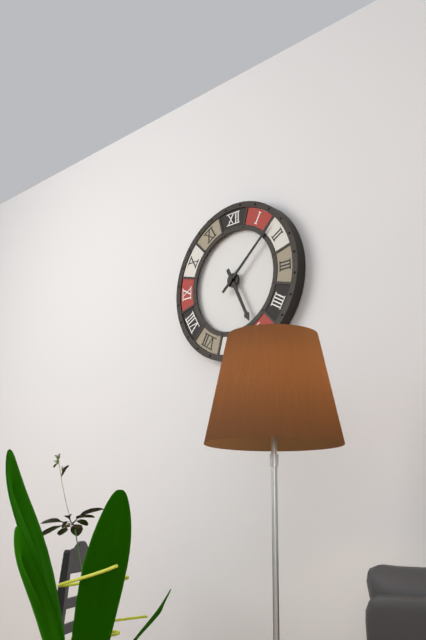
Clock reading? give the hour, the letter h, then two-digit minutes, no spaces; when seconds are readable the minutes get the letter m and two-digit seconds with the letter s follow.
5h08
